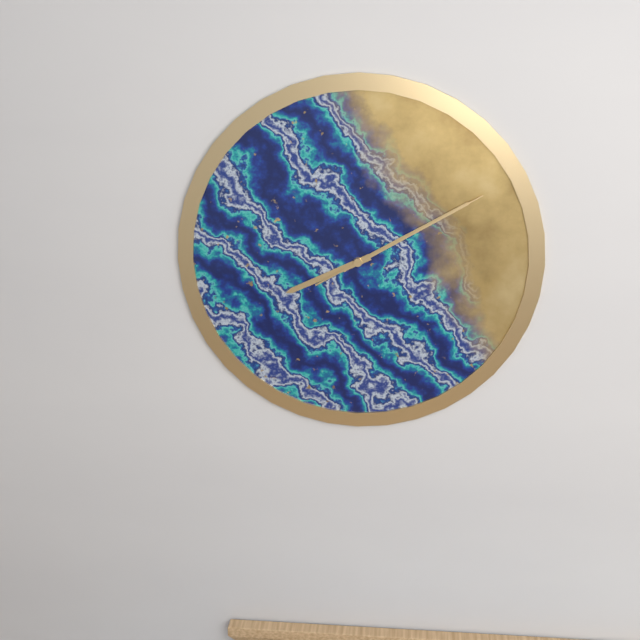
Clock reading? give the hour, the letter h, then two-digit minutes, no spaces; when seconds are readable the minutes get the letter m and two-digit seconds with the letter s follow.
8h10m10s
